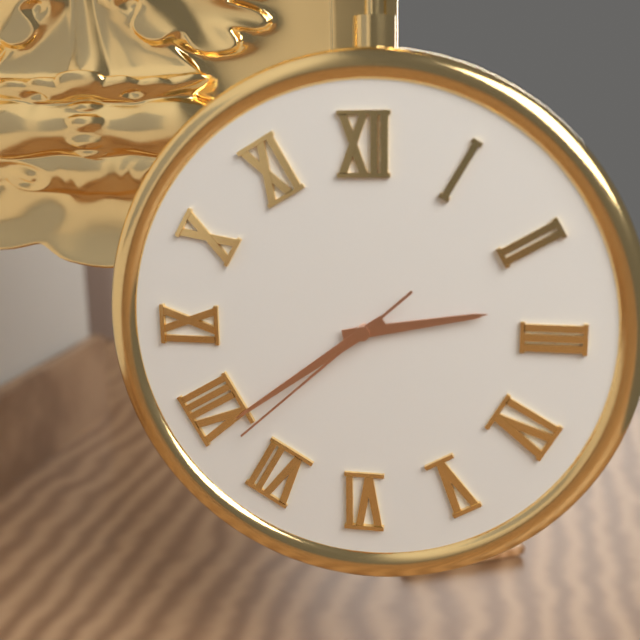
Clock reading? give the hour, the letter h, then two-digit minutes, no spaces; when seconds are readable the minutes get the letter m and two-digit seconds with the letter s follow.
2h39m38s
